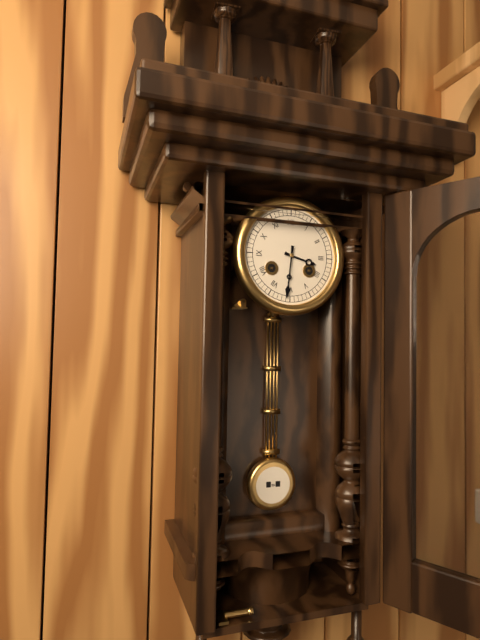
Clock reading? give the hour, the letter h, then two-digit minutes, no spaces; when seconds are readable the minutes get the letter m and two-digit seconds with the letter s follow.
3h31
